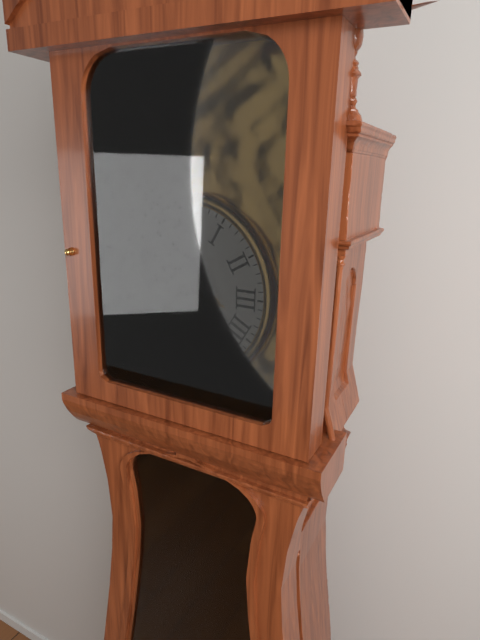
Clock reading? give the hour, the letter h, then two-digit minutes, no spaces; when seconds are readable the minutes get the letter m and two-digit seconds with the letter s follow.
3h28
